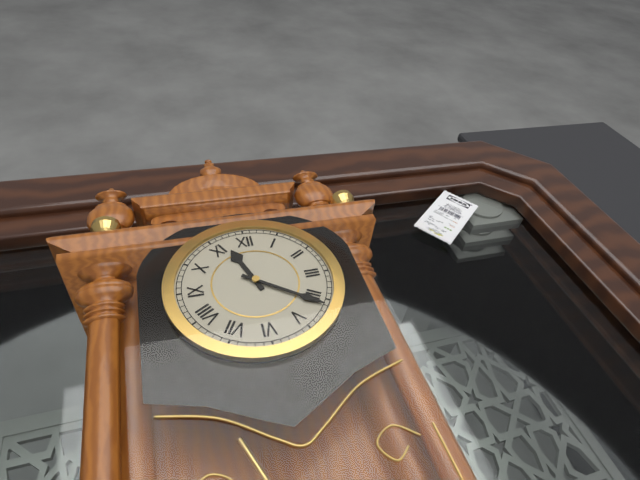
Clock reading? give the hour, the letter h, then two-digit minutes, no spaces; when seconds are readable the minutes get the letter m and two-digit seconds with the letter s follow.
11h21
